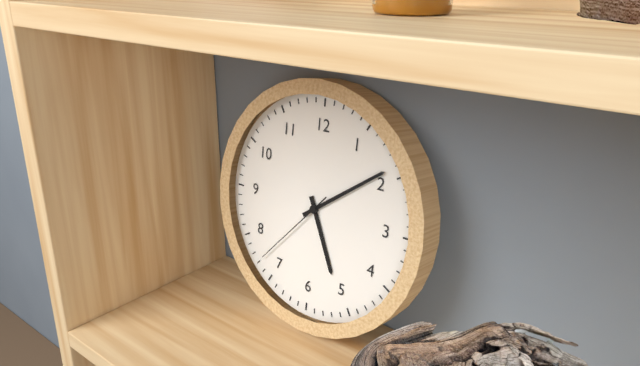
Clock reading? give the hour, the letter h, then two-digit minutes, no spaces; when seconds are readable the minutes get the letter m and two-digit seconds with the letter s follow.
5h09m37s
